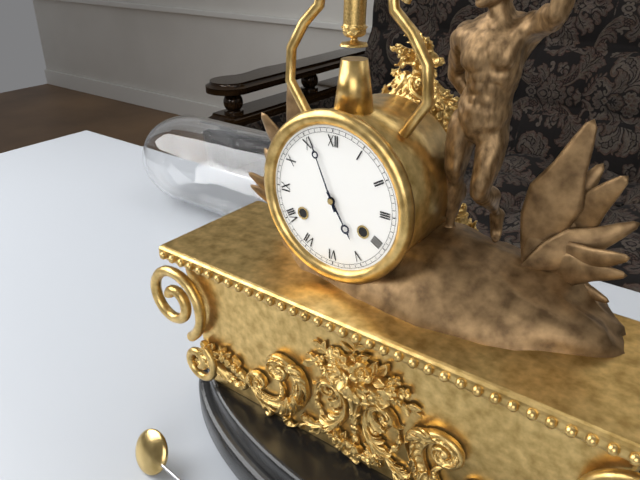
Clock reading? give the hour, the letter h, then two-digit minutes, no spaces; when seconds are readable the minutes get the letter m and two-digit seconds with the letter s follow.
4h56
